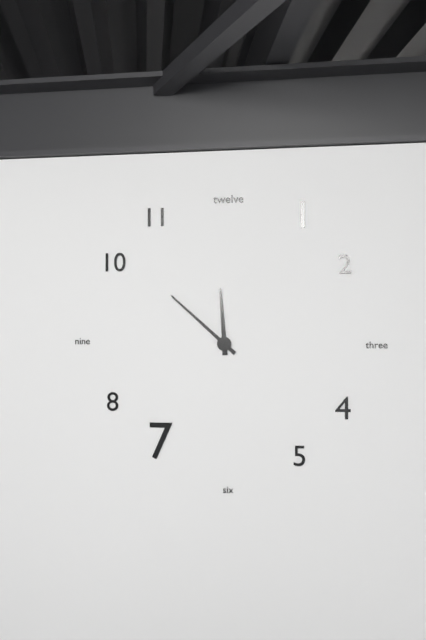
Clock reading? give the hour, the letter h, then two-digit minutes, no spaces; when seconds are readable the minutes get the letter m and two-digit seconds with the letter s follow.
11h52
